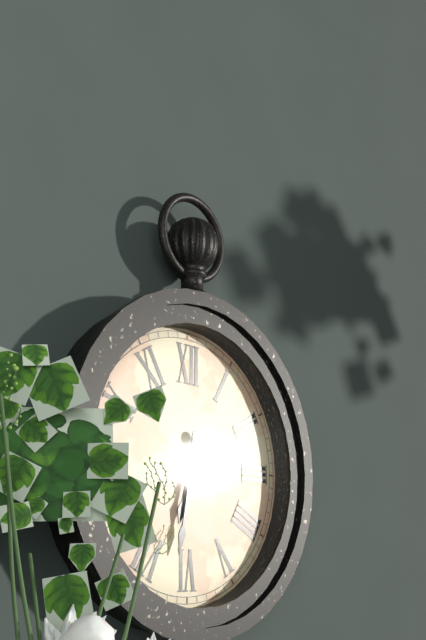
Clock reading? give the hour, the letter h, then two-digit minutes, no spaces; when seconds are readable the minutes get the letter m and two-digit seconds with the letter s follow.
6h32
